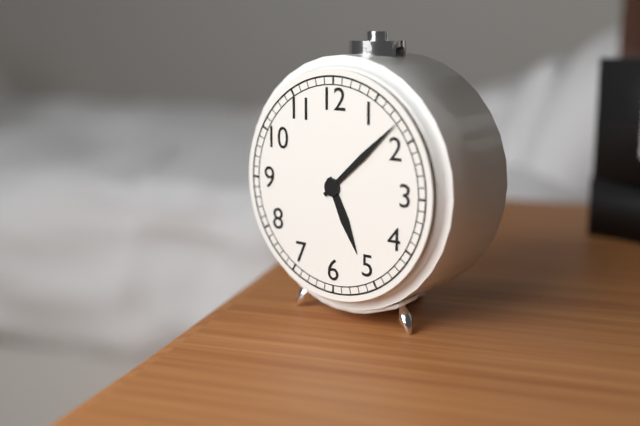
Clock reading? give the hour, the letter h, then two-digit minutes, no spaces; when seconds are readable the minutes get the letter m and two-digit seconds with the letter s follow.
5h08
